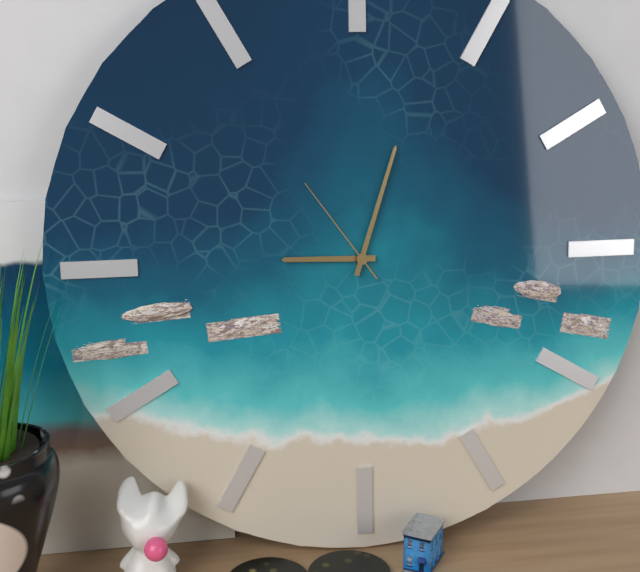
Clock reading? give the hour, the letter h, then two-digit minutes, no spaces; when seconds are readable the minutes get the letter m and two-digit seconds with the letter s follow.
9h03m54s
